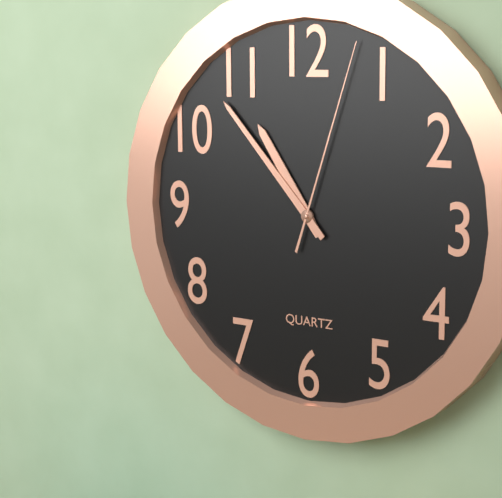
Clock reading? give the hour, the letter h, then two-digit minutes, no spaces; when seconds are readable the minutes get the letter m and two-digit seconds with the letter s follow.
10h53m03s
